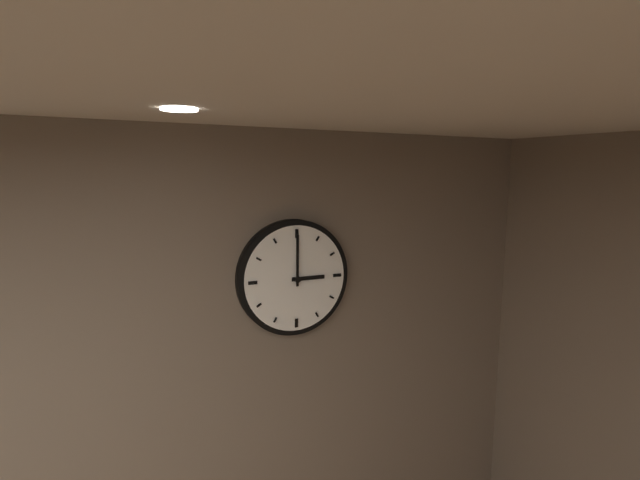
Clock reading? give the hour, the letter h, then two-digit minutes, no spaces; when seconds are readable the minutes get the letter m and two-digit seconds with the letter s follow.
3h00
